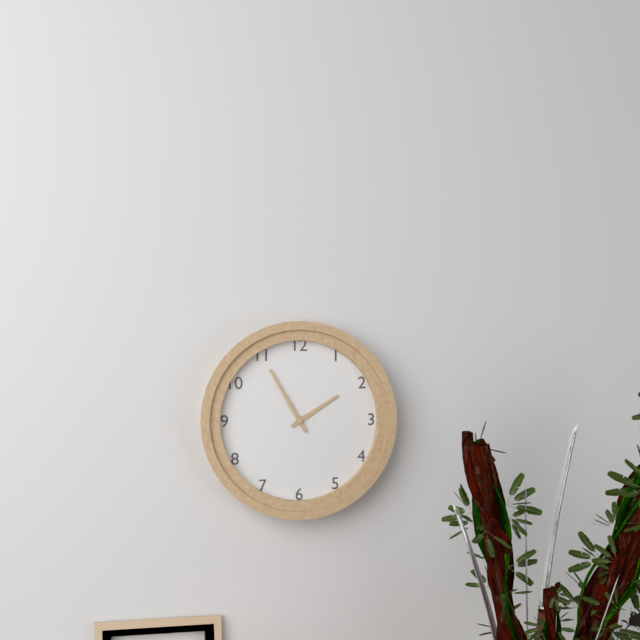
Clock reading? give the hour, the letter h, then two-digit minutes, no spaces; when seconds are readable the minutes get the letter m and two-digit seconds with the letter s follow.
1h55
